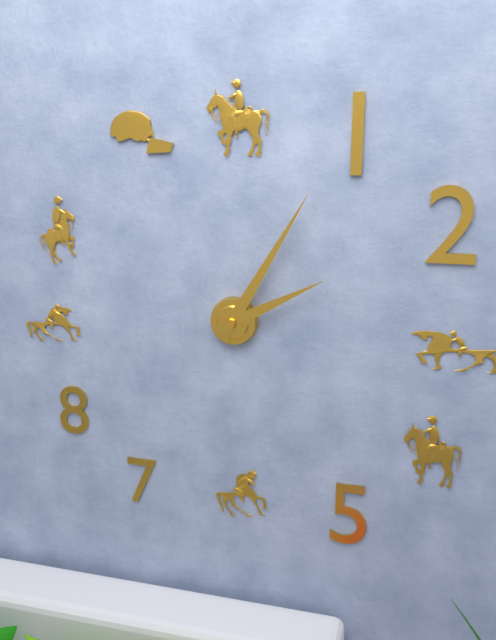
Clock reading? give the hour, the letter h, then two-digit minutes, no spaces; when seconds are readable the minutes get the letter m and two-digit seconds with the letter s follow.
2h05
